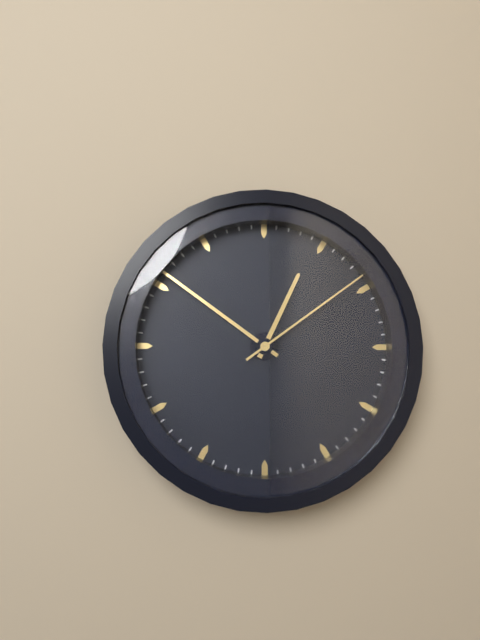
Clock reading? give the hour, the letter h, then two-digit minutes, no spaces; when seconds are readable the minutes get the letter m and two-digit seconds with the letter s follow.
12h51m09s
